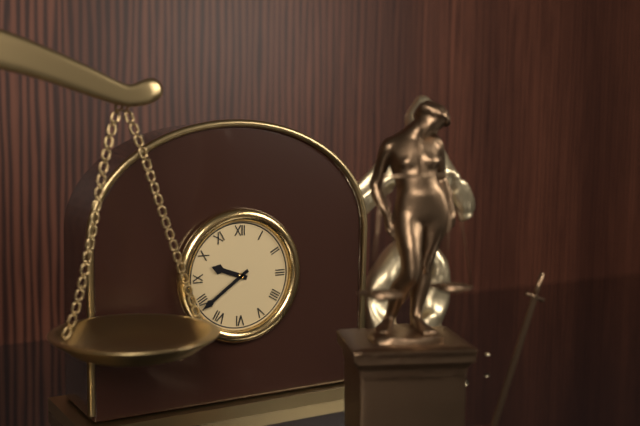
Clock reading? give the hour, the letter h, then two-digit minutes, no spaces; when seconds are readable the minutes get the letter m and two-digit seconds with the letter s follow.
9h39
